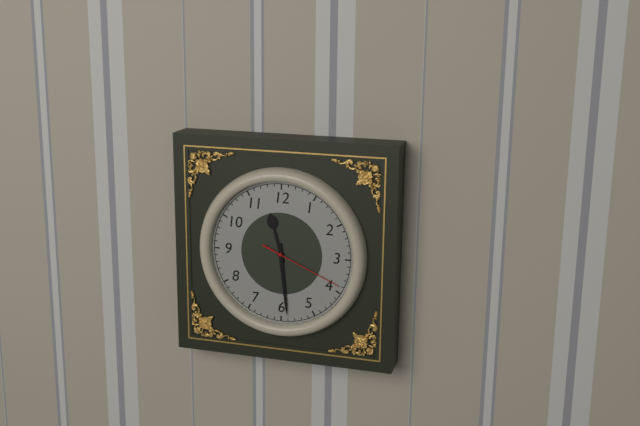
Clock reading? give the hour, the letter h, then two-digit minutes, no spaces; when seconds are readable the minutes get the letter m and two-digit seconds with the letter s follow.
11h29m19s
